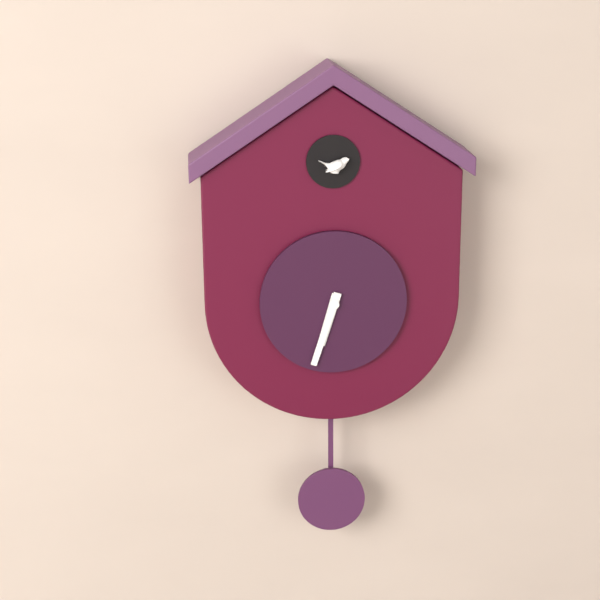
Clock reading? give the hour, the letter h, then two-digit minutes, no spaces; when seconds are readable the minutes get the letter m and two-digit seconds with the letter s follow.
6h33
